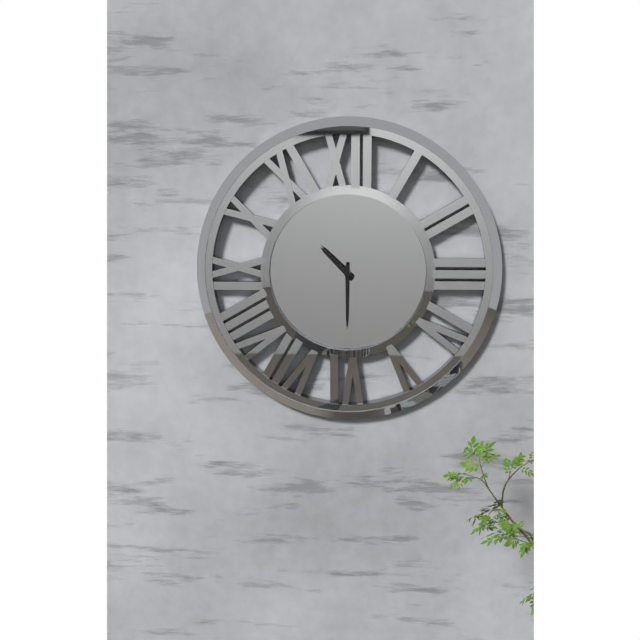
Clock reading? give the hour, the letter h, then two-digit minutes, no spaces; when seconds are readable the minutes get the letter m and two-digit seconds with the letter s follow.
10h30
